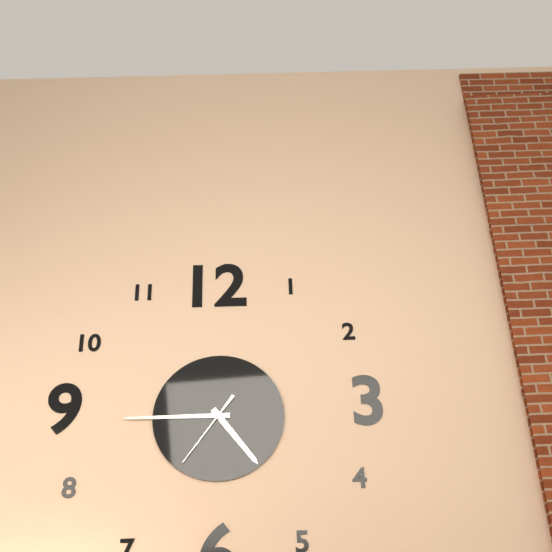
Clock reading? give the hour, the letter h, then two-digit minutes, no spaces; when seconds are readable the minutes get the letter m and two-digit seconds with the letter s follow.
4h45m36s
